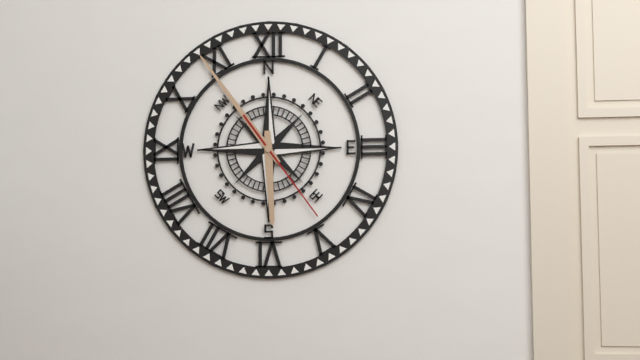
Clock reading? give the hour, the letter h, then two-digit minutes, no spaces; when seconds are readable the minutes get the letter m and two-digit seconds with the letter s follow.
5h54m24s
